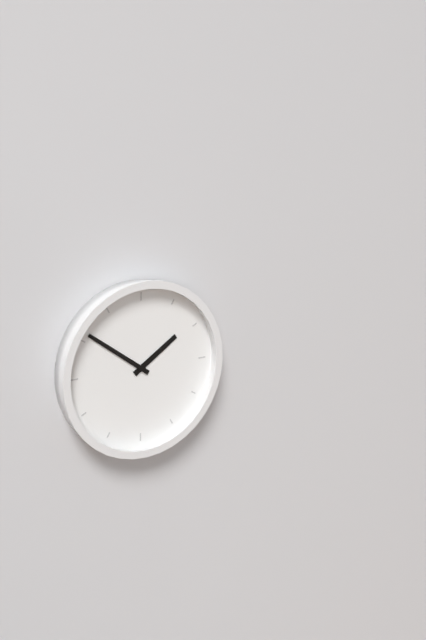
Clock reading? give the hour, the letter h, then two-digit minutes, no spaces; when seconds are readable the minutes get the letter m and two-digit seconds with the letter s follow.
1h51
